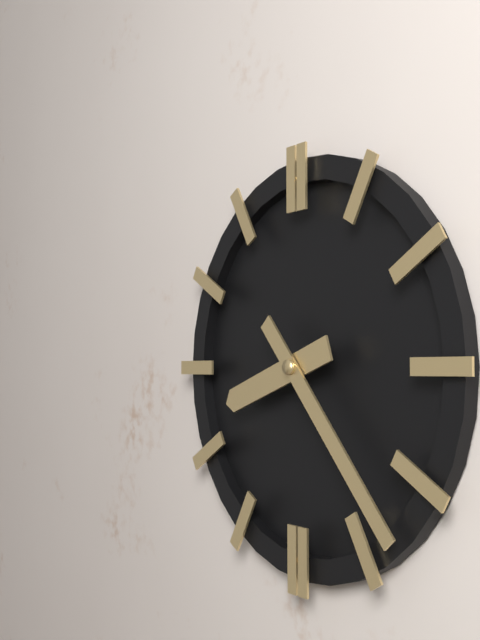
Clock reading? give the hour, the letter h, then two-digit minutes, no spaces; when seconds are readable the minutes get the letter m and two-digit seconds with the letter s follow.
8h23
